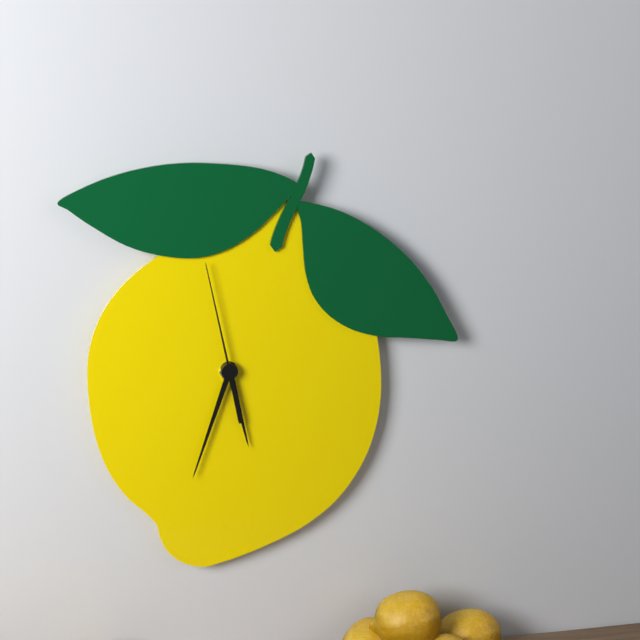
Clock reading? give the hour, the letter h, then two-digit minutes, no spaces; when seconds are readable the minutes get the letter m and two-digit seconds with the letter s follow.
5h33m58s
